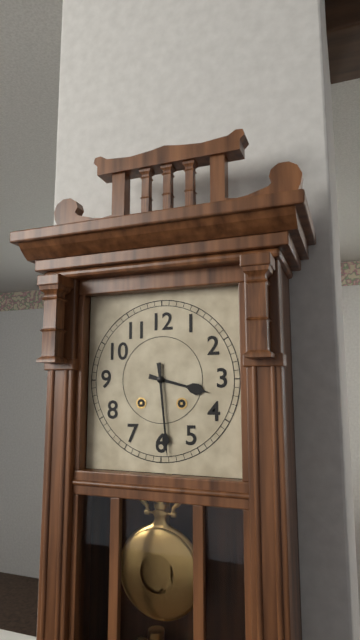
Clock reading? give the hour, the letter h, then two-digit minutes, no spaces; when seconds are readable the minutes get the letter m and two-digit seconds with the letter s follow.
3h29
